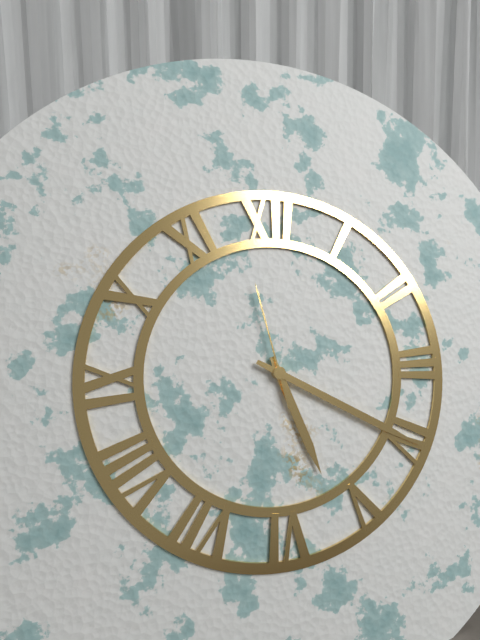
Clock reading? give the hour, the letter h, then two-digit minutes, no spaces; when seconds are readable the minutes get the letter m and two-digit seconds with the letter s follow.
5h20m58s
